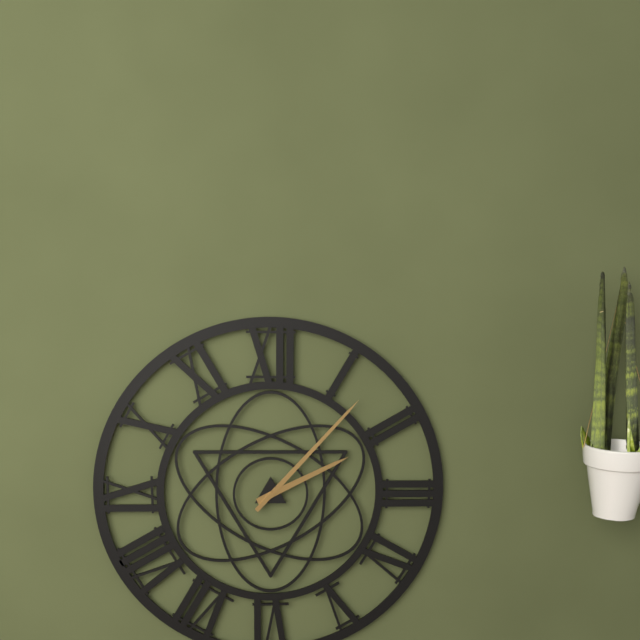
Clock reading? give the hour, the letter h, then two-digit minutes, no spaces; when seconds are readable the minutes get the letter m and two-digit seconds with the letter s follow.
2h07
